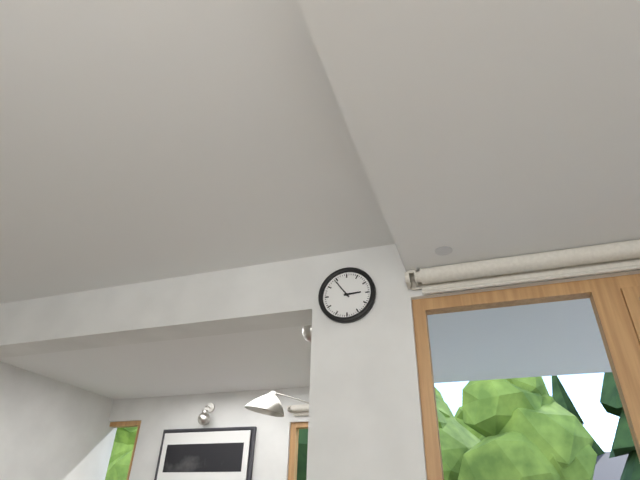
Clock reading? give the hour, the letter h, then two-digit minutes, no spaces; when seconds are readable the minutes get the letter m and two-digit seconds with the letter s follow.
2h54
